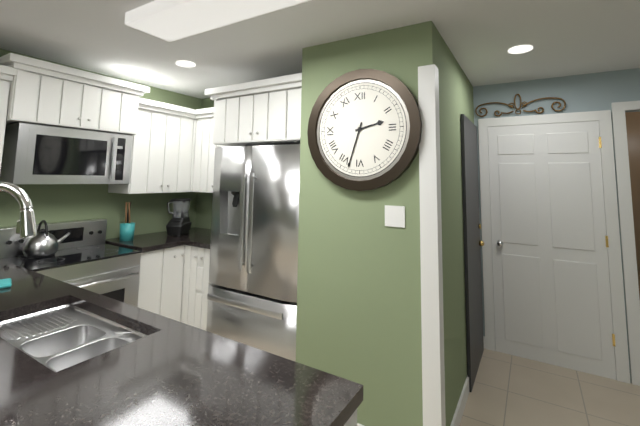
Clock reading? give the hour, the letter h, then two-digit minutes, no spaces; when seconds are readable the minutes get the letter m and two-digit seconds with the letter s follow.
2h33
